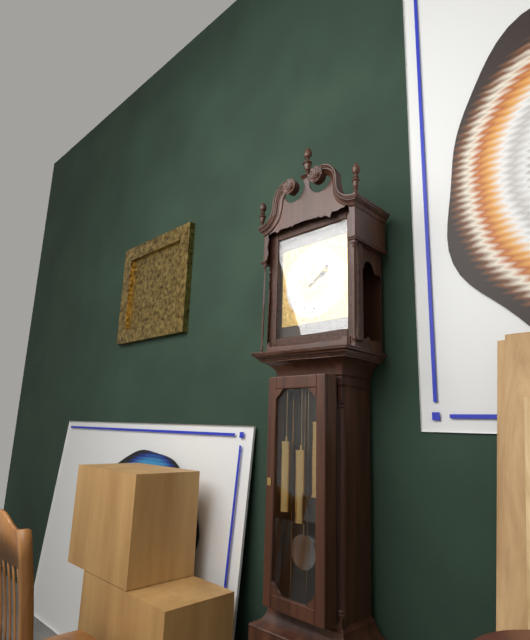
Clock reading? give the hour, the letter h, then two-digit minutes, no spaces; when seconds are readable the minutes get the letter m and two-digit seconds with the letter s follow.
2h09
